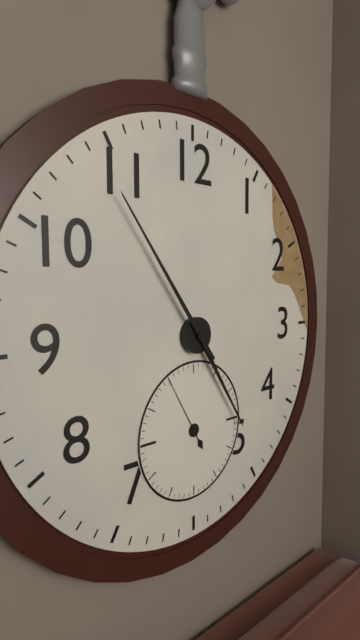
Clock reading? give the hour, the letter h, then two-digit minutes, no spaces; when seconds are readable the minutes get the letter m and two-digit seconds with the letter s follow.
4h54m55s
